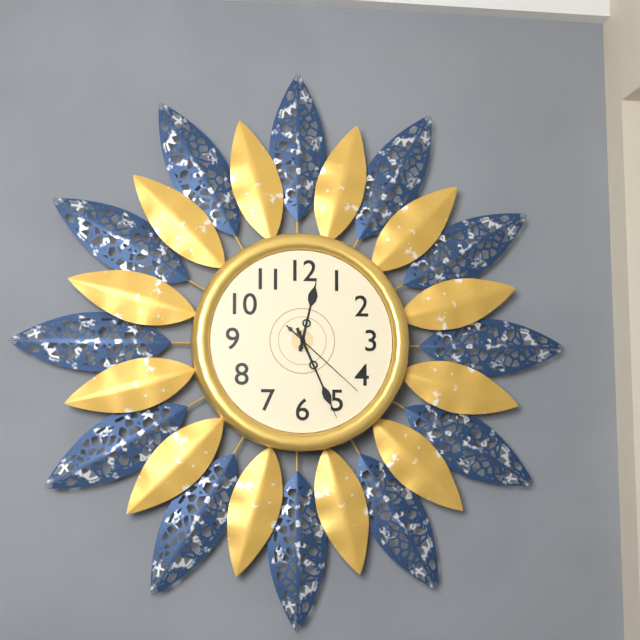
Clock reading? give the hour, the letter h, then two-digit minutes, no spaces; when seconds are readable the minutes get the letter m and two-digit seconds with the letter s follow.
12h26m22s
